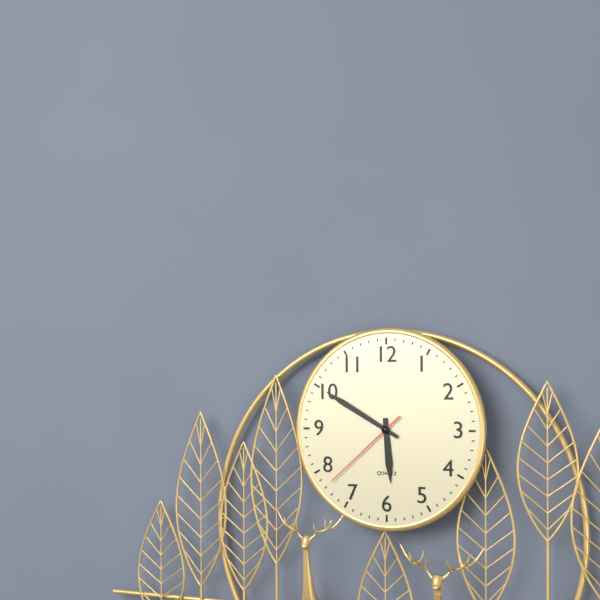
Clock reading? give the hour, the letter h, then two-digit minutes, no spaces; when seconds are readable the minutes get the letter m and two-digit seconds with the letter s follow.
5h50m38s
